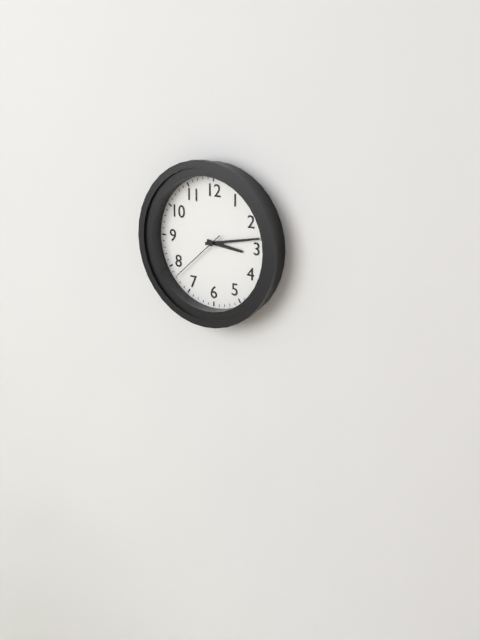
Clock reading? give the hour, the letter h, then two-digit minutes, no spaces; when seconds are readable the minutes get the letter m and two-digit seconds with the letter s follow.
3h13m38s
